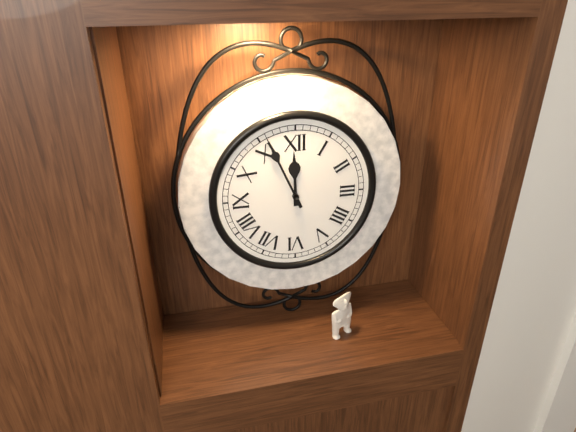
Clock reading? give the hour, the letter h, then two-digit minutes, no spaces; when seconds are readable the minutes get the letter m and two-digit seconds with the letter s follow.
11h56
